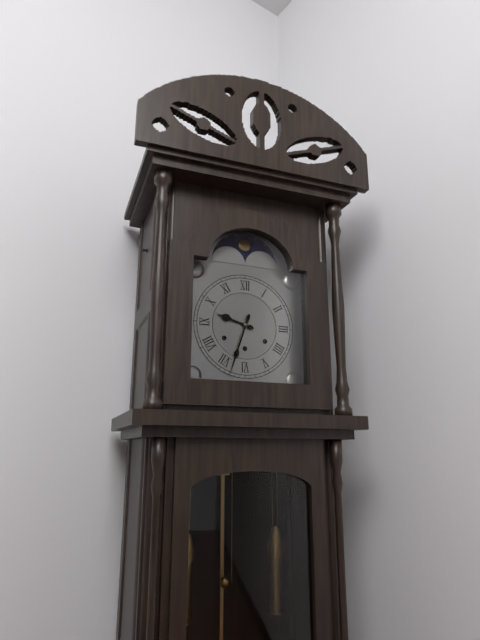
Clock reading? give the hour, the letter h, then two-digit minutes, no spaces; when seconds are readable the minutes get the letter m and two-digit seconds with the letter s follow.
9h33
